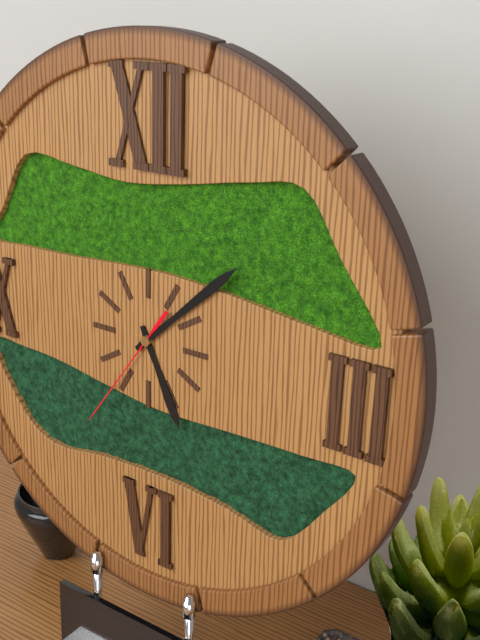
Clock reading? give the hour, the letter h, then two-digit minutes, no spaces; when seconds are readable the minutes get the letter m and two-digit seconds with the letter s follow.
5h08m36s
